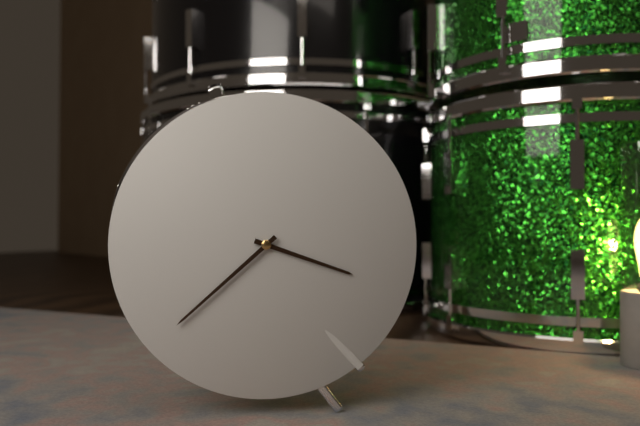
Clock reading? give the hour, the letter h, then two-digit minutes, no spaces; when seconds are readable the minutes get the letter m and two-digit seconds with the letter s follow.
3h38
